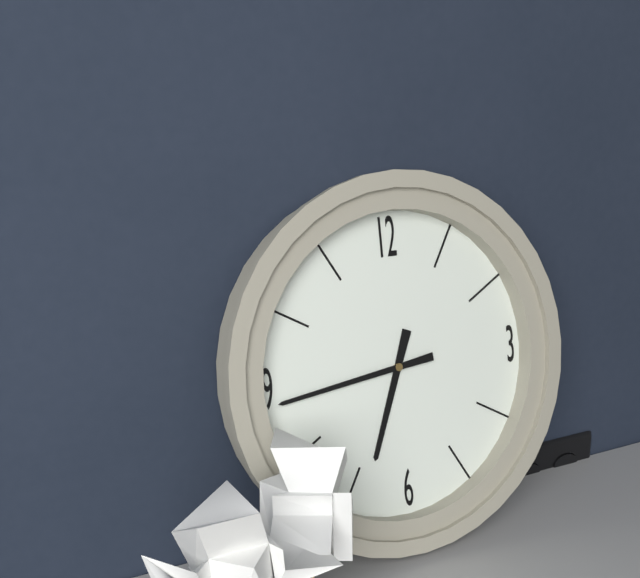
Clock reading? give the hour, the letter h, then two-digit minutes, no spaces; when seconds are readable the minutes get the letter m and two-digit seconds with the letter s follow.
6h44
